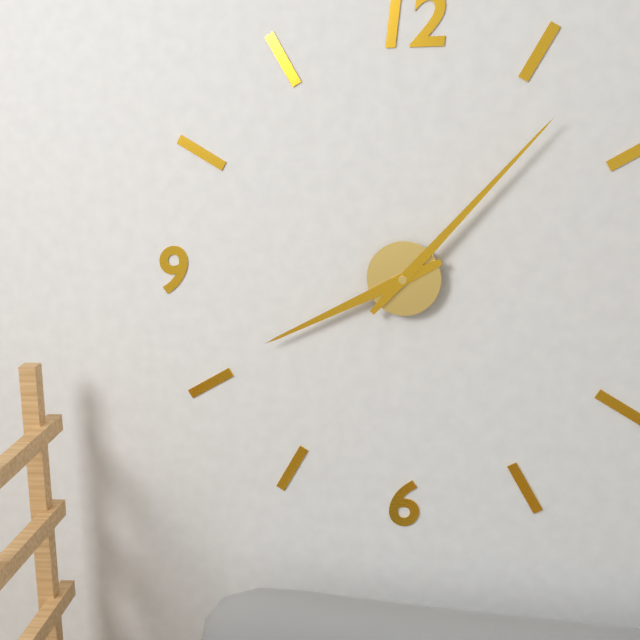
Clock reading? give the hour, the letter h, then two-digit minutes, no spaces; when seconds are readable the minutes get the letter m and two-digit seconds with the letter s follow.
8h07
